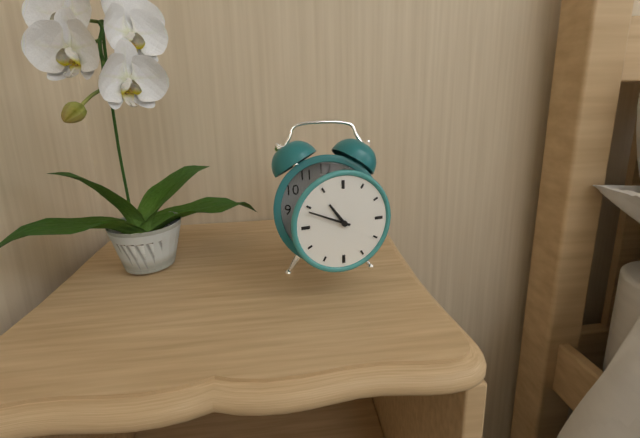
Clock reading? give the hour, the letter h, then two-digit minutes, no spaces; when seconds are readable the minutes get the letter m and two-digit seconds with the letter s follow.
10h49
